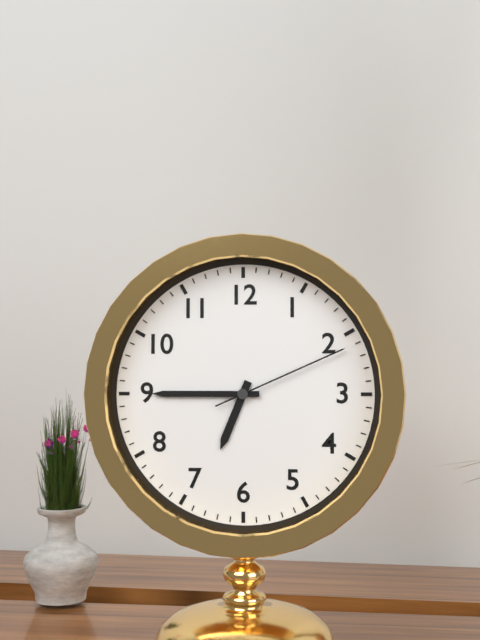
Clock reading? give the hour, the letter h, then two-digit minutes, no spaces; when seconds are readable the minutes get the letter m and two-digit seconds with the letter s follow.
6h45m11s
